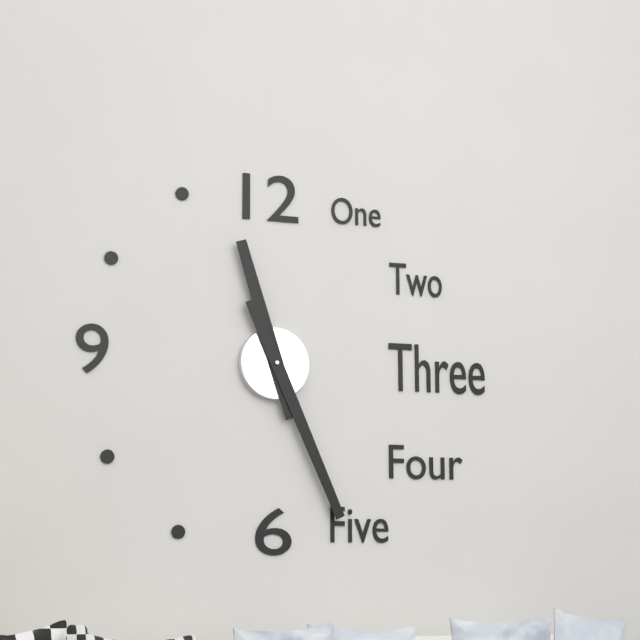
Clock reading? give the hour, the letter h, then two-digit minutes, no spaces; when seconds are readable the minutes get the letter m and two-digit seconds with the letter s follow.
11h26
